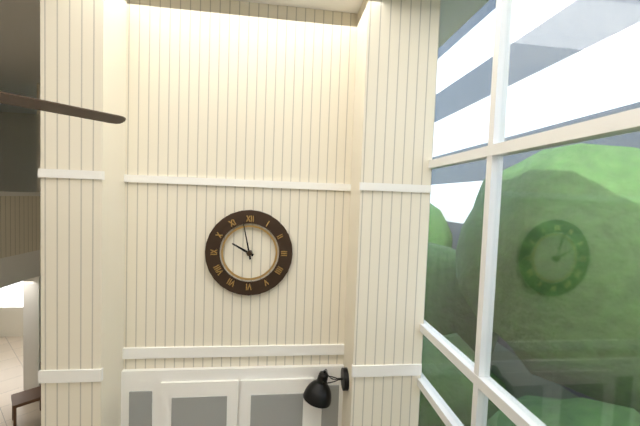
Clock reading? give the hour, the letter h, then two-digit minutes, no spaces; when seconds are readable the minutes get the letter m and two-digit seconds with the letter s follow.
9h58
